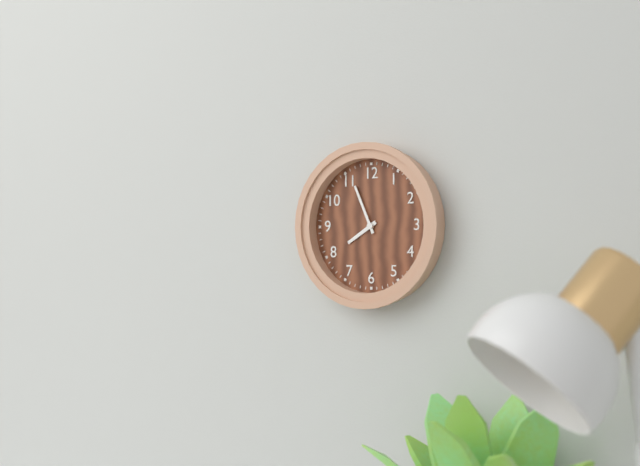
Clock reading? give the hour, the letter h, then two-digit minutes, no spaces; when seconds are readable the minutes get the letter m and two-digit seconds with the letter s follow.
7h56
